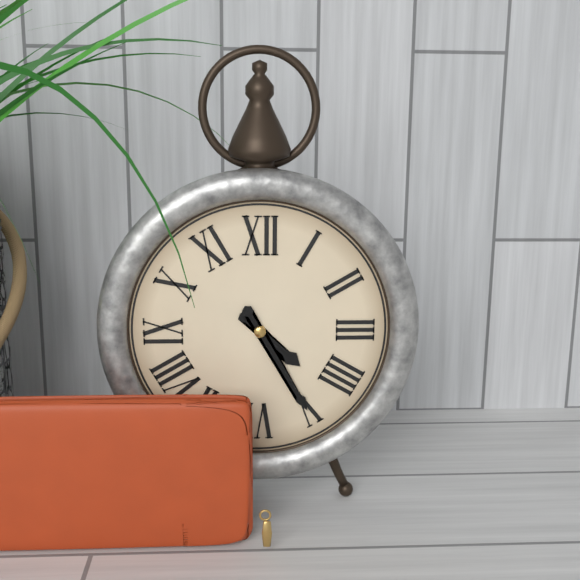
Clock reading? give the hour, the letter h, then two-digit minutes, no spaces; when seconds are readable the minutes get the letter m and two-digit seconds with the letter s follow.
4h25
